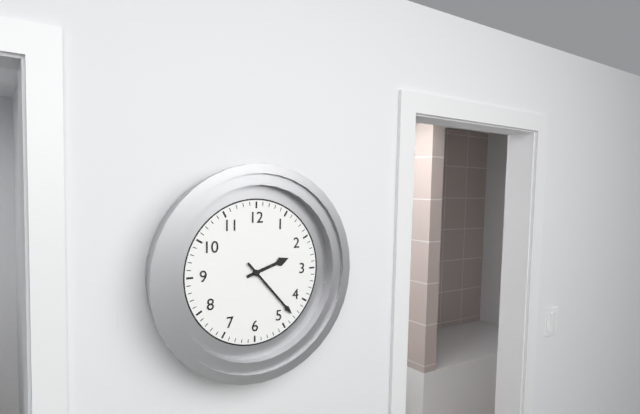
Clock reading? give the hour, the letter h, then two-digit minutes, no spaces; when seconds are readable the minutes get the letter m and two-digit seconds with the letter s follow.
2h23
